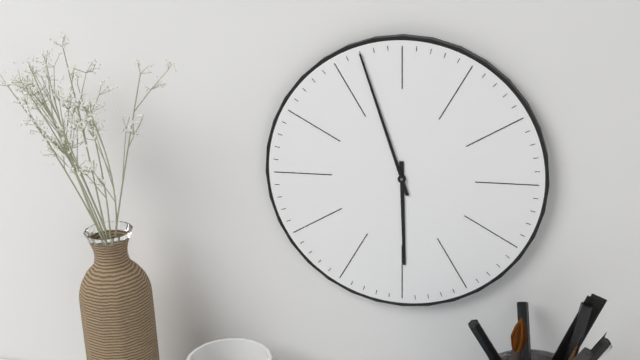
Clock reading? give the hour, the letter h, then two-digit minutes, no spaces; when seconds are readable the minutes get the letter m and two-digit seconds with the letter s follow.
5h57
